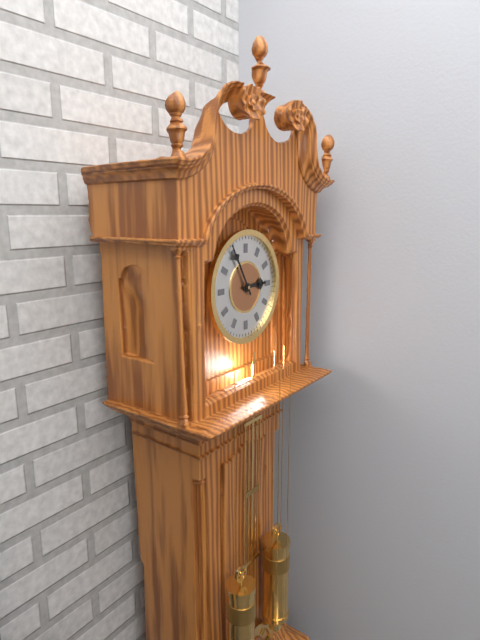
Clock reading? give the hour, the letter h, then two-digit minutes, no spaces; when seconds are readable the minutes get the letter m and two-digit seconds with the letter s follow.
2h55
